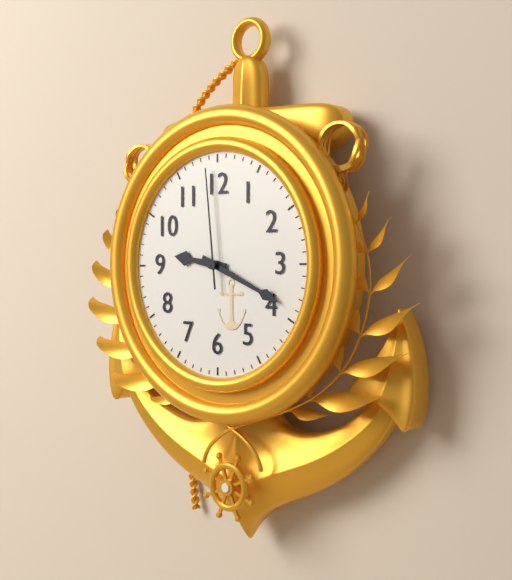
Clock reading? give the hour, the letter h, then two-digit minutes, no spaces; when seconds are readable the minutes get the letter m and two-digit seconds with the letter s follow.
9h19m59s
